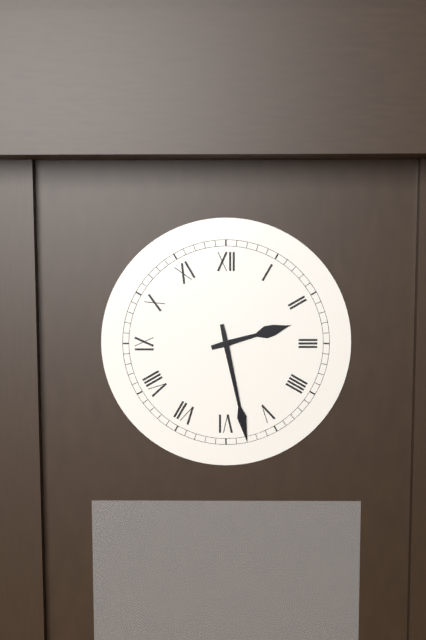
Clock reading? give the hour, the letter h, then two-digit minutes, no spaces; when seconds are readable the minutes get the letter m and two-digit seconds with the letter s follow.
2h28
